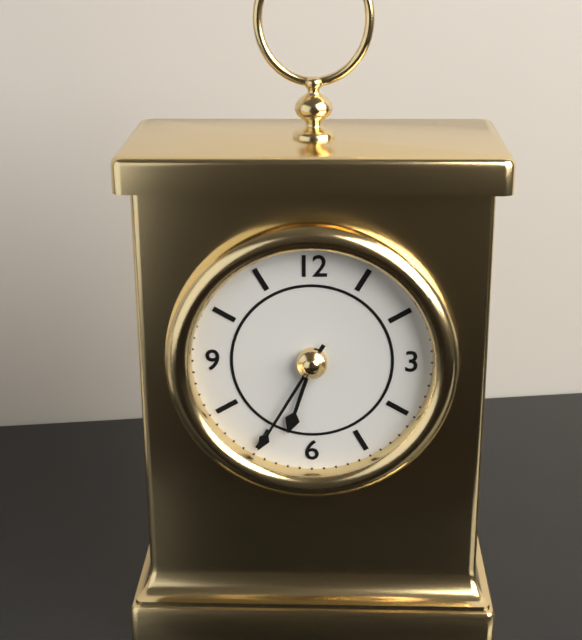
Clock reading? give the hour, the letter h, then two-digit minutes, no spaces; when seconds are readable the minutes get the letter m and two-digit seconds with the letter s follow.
6h35
